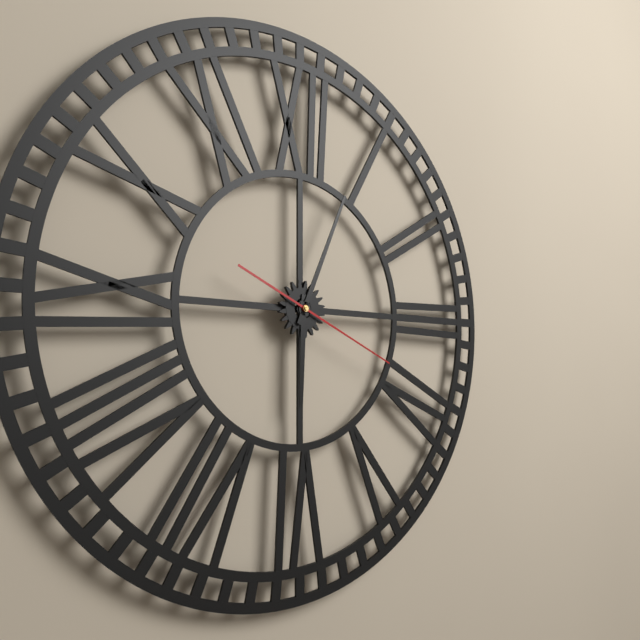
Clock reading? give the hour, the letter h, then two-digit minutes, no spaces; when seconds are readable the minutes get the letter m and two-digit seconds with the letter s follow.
6h04m19s
